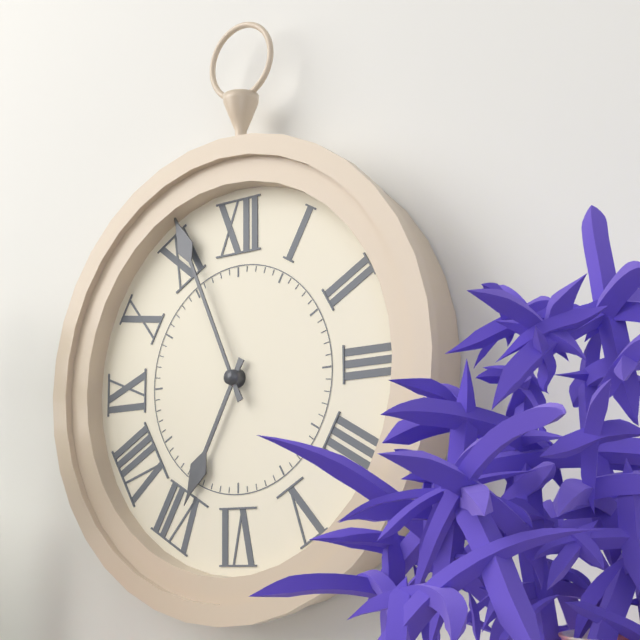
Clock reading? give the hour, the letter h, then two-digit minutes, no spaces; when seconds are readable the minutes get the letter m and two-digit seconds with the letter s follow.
6h56
